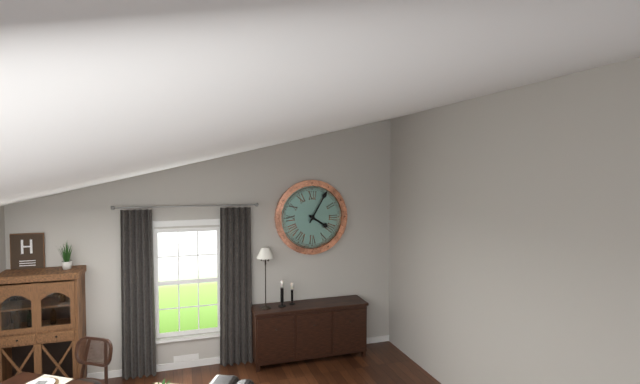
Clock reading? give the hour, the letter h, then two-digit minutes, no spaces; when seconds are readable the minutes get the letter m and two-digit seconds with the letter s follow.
4h05
